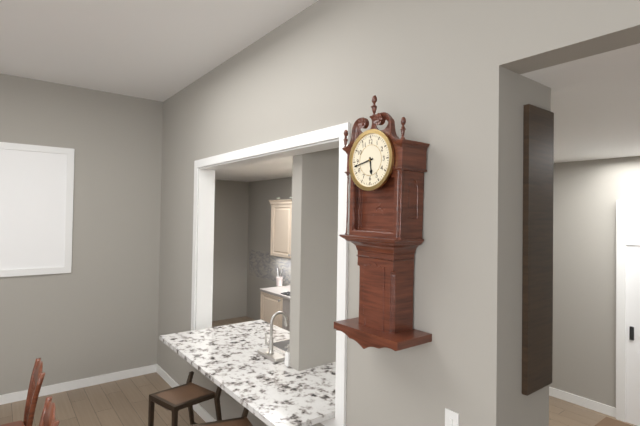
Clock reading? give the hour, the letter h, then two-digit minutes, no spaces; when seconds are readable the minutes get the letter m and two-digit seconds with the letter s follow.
5h43
